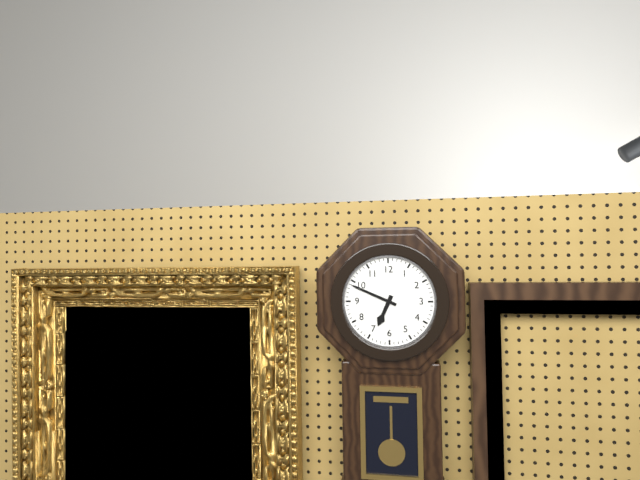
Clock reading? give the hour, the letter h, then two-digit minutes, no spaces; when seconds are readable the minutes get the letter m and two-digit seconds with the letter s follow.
6h49
